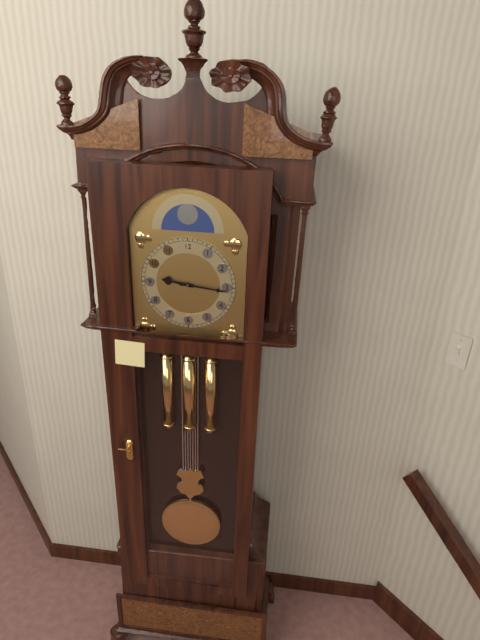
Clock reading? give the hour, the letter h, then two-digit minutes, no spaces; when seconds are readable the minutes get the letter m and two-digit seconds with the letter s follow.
9h16
